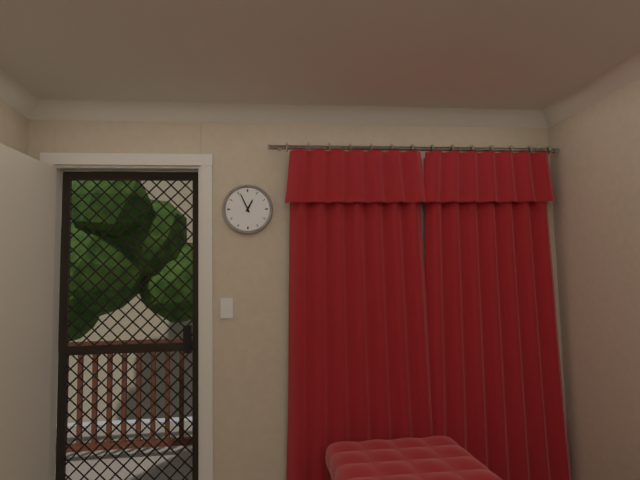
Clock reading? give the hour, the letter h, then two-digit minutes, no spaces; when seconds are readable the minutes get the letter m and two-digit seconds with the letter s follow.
12h56
